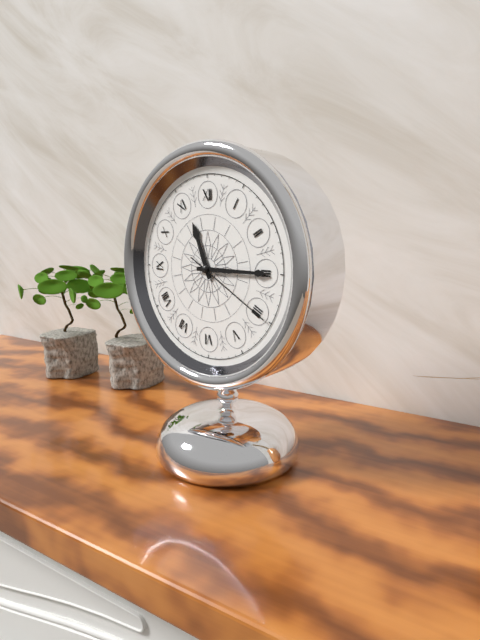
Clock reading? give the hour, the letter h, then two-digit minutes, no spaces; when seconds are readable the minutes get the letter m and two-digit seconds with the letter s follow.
11h15m20s
